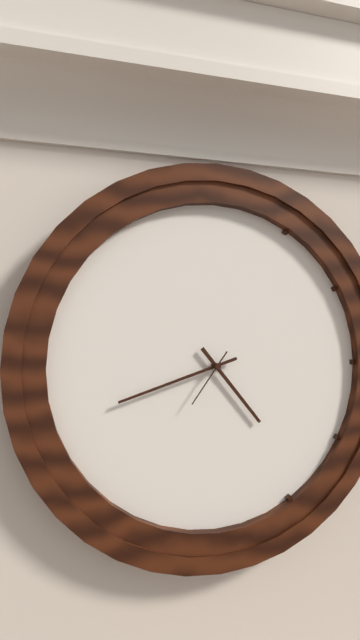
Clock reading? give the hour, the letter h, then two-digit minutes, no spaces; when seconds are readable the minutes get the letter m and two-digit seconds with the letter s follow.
4h42m36s
